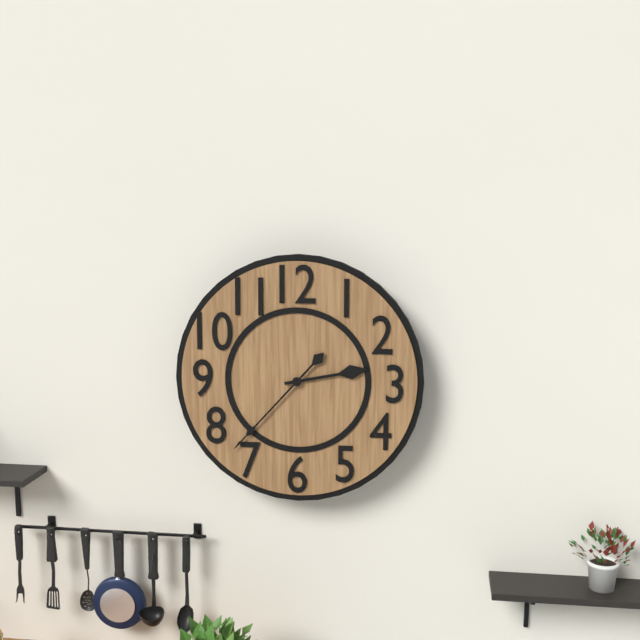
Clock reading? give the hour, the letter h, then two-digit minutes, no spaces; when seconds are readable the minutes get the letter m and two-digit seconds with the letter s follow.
2h37
